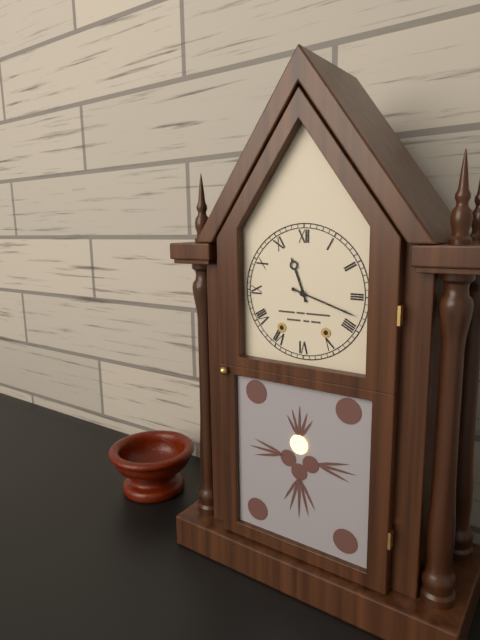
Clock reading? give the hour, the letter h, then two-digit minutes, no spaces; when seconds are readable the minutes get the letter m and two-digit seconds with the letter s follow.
11h18
